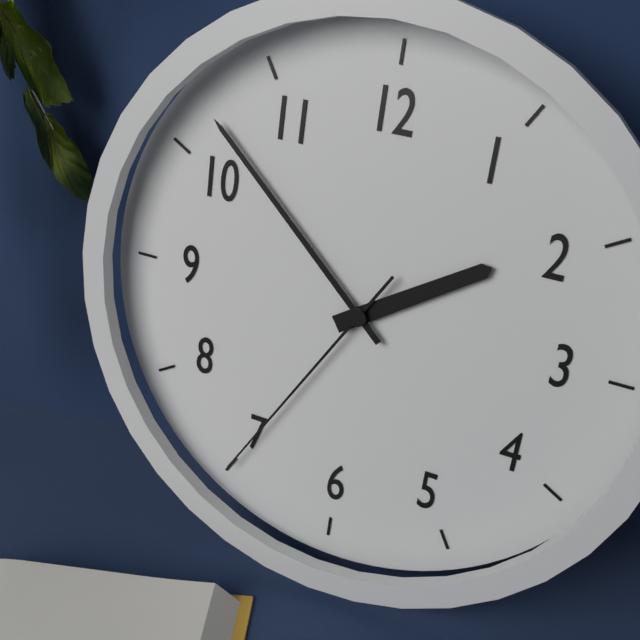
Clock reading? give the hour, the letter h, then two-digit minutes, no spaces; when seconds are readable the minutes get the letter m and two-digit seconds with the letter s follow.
1h52m35s
